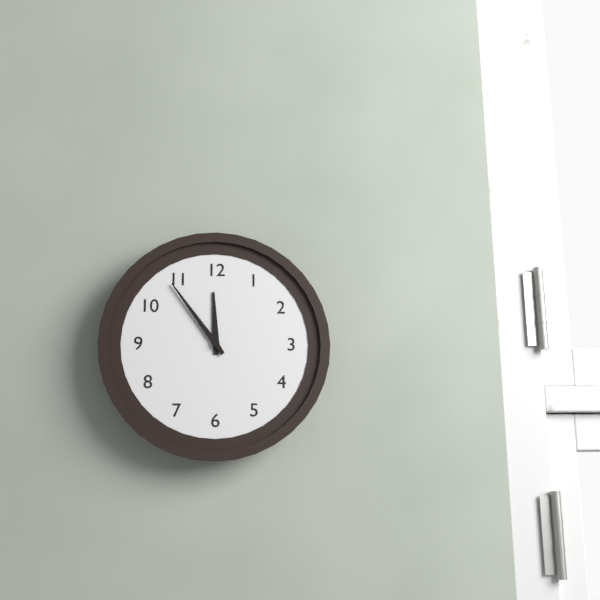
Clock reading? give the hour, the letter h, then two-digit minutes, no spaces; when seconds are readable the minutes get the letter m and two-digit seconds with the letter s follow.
11h54
